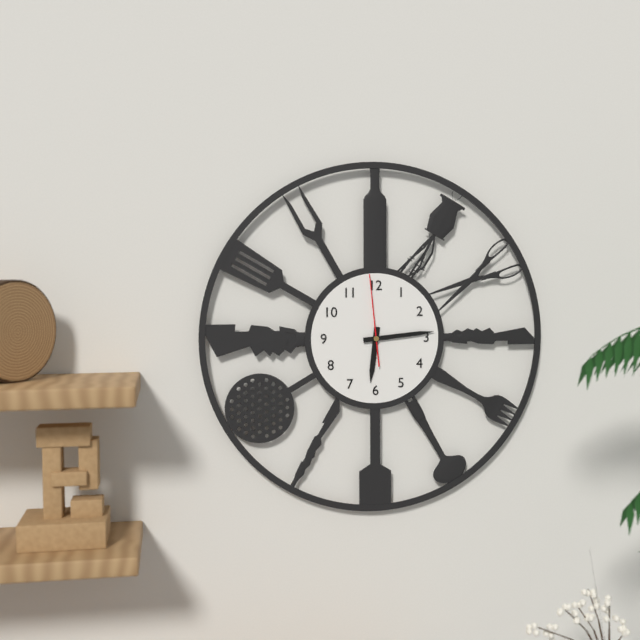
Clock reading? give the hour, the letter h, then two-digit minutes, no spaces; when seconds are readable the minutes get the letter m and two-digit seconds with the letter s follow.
6h14m59s
